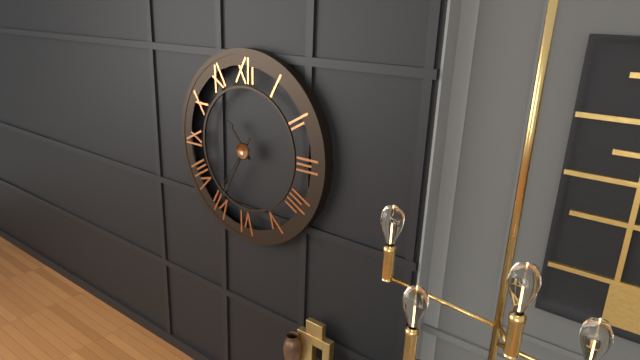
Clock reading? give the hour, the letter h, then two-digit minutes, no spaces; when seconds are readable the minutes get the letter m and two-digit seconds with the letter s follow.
10h35m36s
